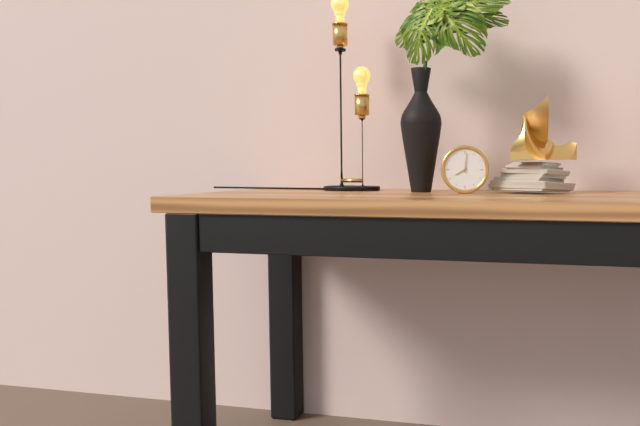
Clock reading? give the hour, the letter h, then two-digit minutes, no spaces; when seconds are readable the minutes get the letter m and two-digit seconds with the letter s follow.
8h01
